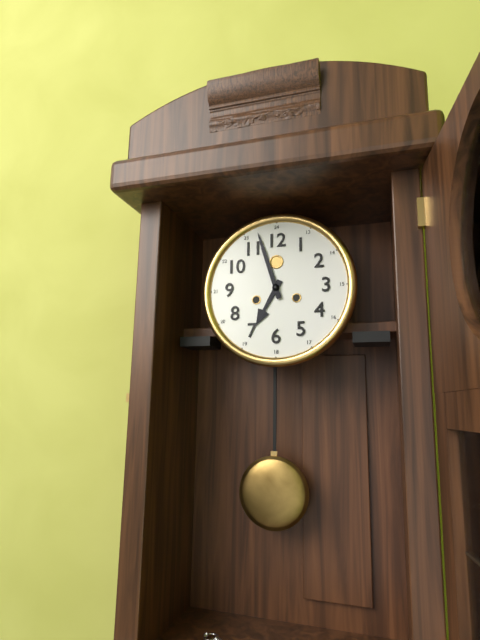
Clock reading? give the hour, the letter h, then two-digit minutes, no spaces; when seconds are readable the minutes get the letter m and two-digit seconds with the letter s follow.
6h57
